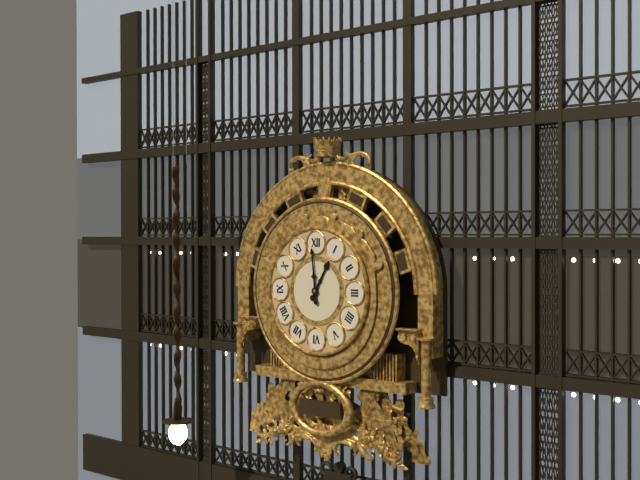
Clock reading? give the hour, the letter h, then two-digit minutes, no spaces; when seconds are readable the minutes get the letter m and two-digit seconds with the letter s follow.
12h59
